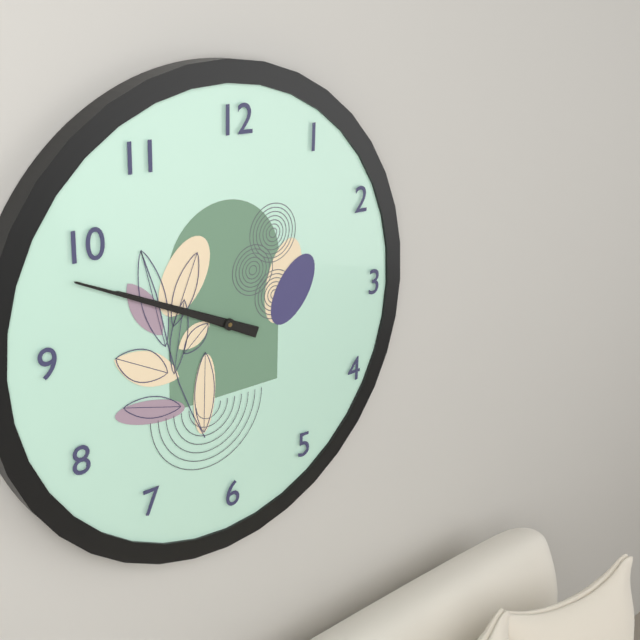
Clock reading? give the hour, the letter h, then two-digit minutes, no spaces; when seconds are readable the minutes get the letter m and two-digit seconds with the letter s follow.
9h49
